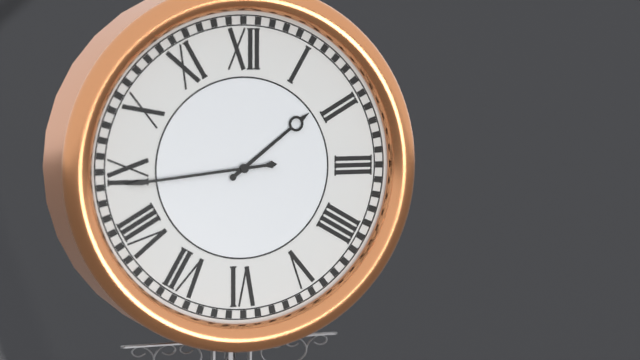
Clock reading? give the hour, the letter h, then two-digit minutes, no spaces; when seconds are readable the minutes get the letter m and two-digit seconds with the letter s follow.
1h44
